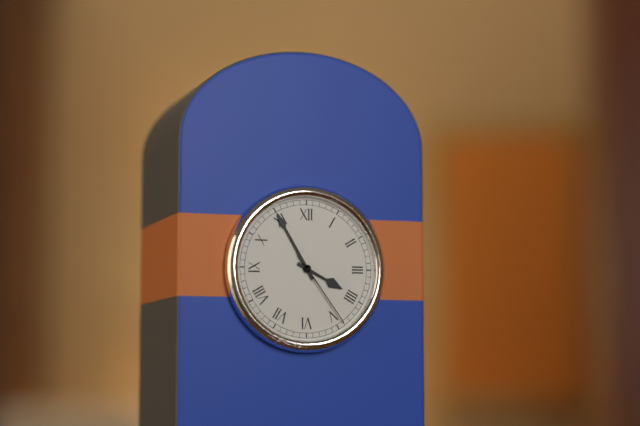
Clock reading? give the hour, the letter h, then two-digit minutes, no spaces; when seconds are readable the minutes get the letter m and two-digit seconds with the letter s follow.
3h55m24s
